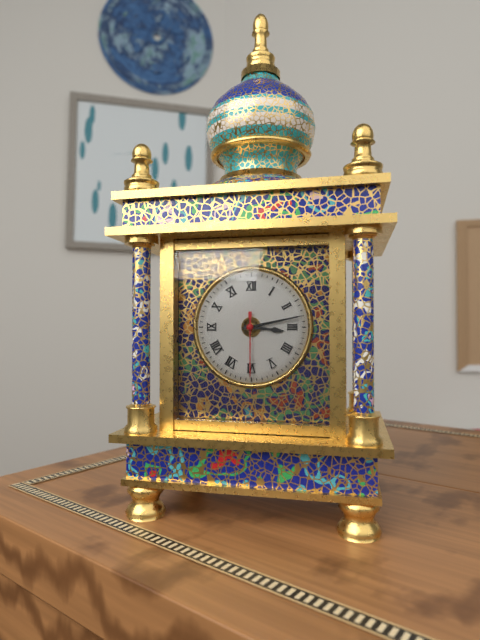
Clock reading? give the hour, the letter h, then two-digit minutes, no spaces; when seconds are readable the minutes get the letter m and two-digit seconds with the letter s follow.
3h13m30s
